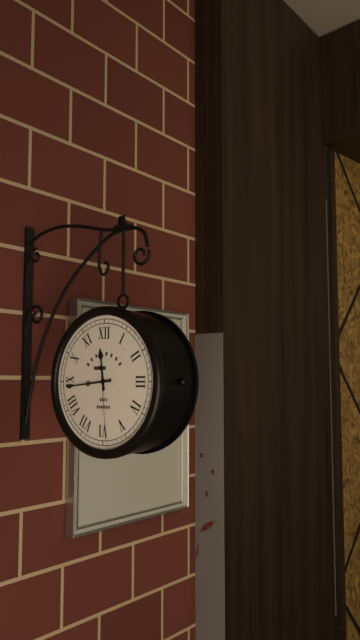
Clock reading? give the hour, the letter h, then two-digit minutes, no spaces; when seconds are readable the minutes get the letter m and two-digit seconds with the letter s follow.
11h44m29s
